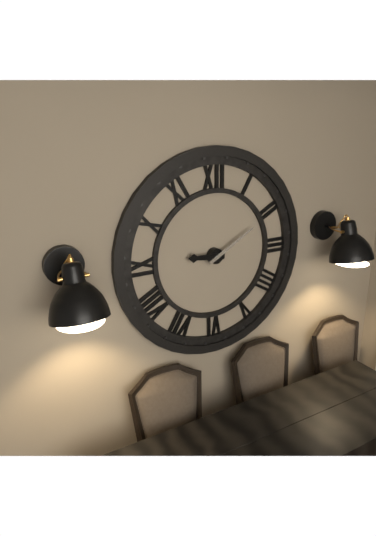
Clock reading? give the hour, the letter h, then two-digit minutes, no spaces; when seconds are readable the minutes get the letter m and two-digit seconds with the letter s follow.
9h10
